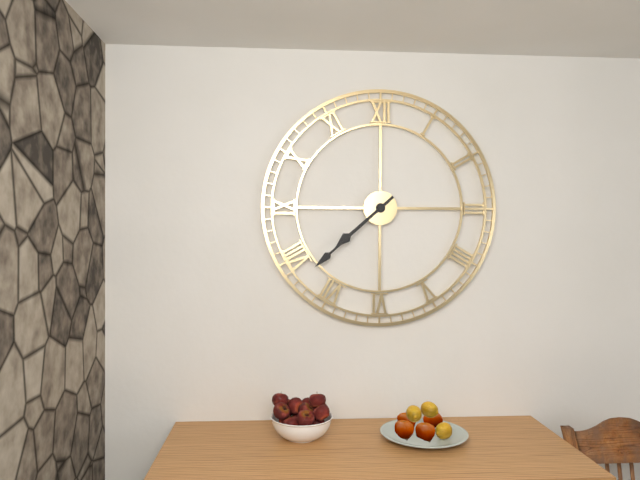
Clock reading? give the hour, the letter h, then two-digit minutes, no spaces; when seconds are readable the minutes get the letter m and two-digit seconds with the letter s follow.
7h38
